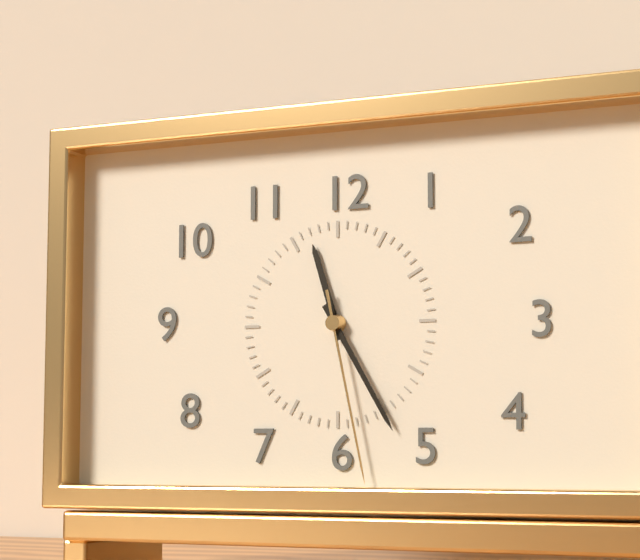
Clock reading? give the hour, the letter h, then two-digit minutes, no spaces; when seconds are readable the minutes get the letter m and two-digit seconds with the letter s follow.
11h25m28s
